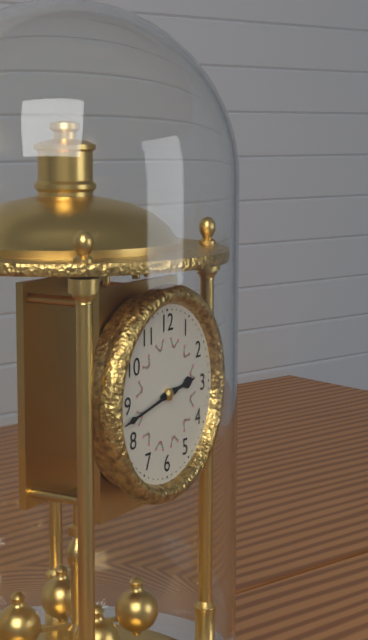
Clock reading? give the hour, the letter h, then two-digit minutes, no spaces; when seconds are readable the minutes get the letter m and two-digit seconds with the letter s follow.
2h43
